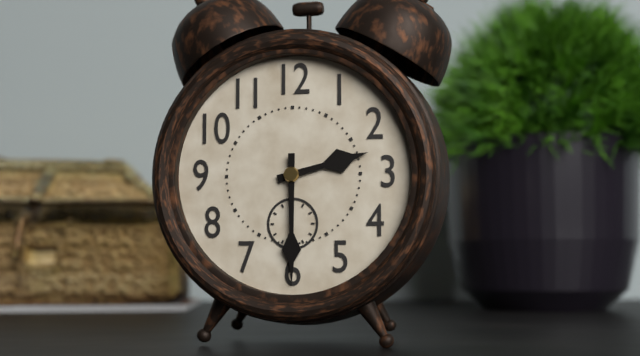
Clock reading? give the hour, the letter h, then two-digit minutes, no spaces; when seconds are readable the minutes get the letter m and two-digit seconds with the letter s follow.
2h30
